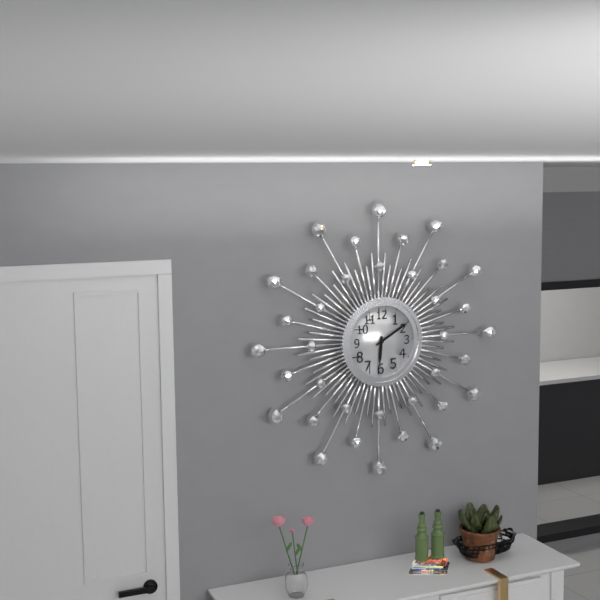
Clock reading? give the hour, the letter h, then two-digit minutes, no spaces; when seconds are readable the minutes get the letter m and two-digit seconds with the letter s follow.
6h10
